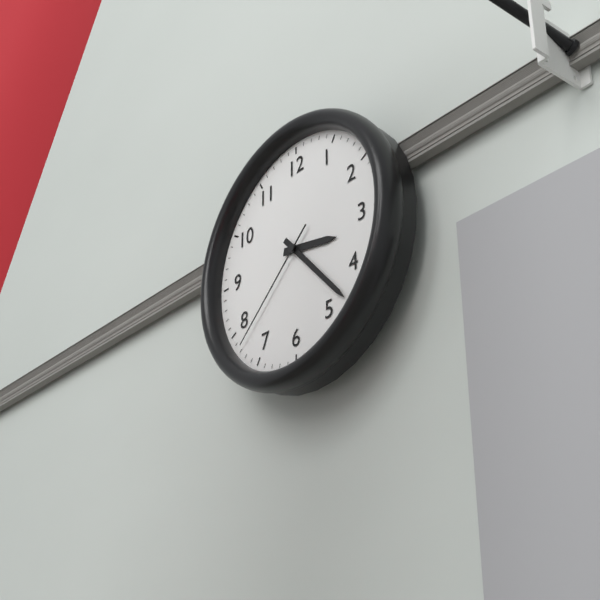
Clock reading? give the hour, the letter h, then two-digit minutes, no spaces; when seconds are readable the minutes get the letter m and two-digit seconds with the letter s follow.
3h23m38s
